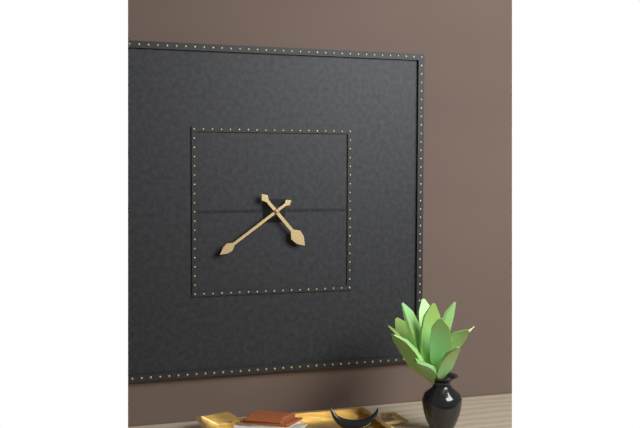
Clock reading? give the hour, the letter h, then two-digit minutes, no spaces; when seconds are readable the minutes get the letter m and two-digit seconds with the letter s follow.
4h39
